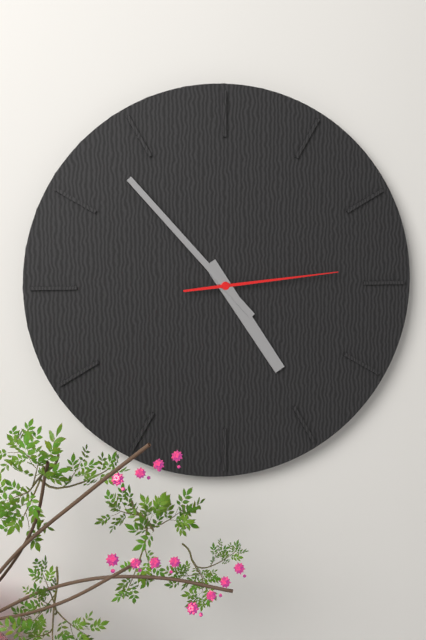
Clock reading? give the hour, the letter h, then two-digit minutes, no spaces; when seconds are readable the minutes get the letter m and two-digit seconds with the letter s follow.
4h53m14s
